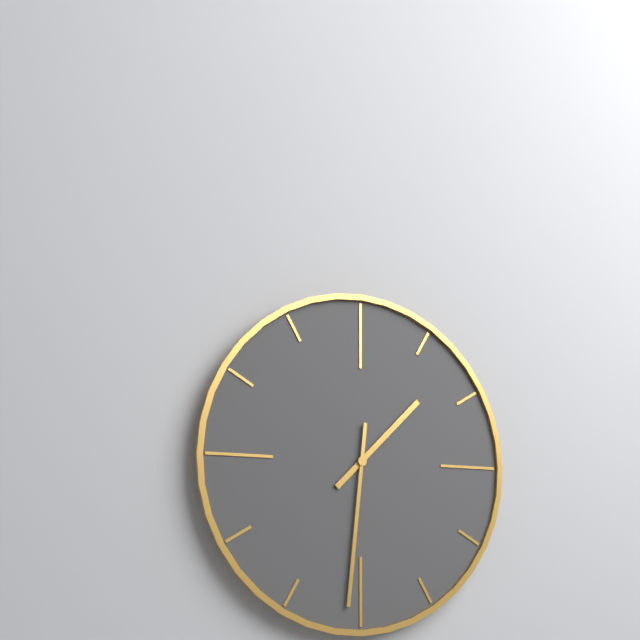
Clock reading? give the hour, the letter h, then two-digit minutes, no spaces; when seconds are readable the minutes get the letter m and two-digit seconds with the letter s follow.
1h31
